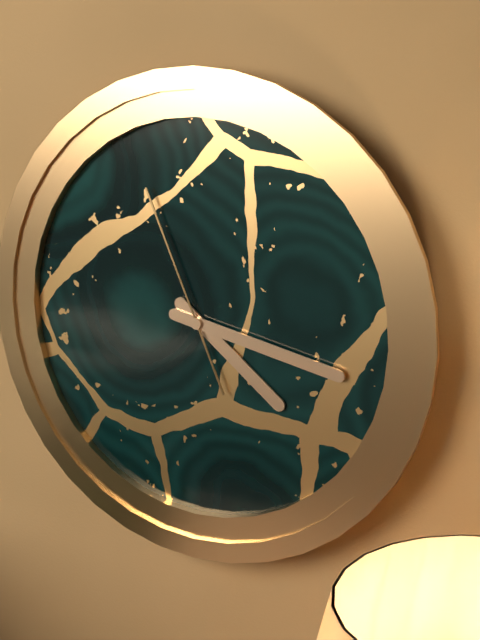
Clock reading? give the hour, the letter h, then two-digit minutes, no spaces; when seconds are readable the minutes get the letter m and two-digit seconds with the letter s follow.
4h17m56s
